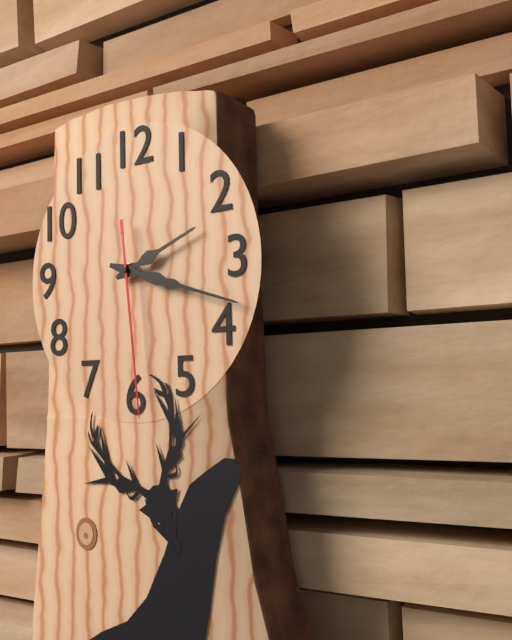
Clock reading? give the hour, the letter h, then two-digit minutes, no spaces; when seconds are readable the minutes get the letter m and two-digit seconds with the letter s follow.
2h18m29s
